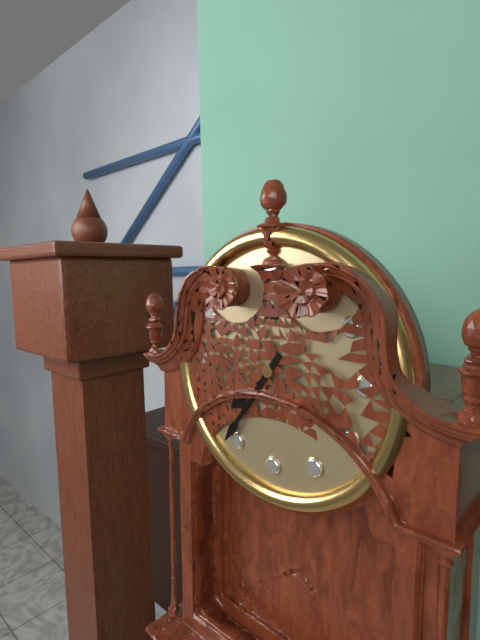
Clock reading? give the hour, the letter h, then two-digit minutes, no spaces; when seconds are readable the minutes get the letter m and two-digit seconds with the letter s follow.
7h36
